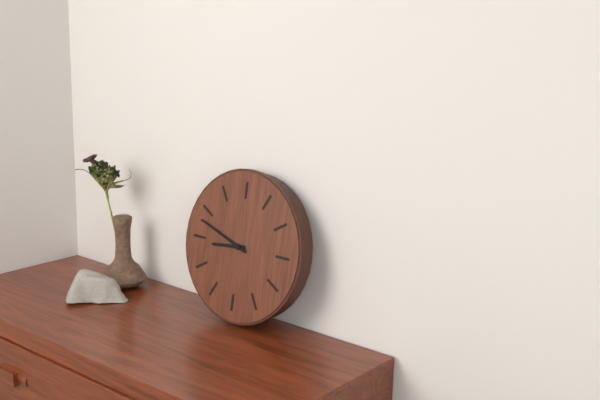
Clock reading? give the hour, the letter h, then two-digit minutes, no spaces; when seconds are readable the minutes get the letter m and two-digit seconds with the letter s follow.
8h48
